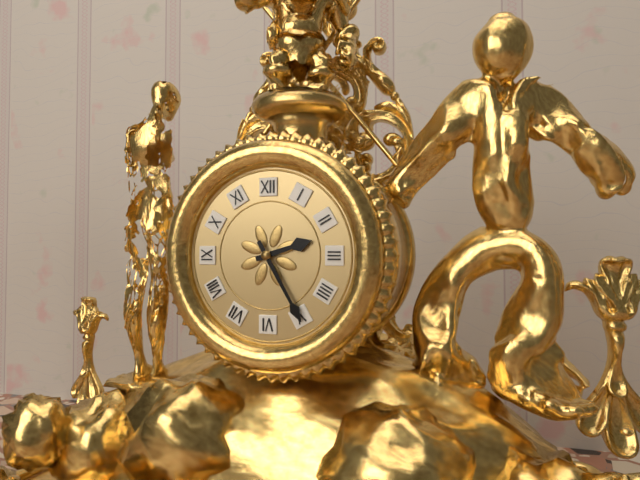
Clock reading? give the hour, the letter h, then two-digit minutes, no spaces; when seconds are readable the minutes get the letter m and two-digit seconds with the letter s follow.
2h25
